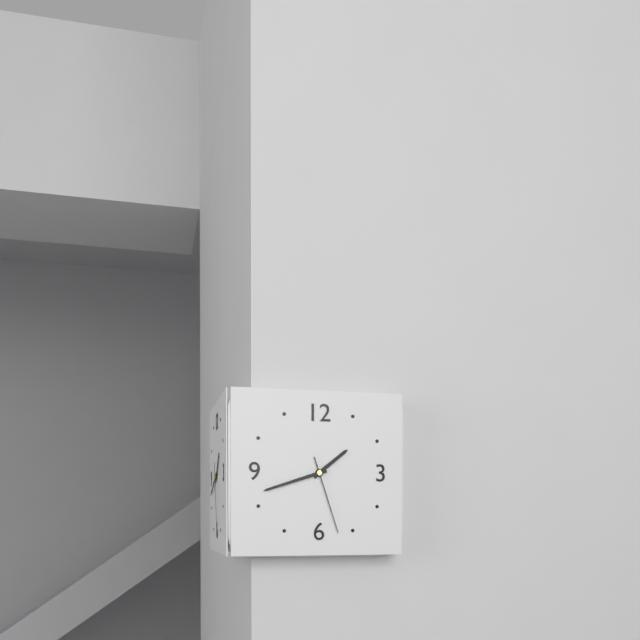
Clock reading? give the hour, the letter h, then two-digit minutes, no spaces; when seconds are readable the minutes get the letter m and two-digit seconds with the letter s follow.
1h42m27s
